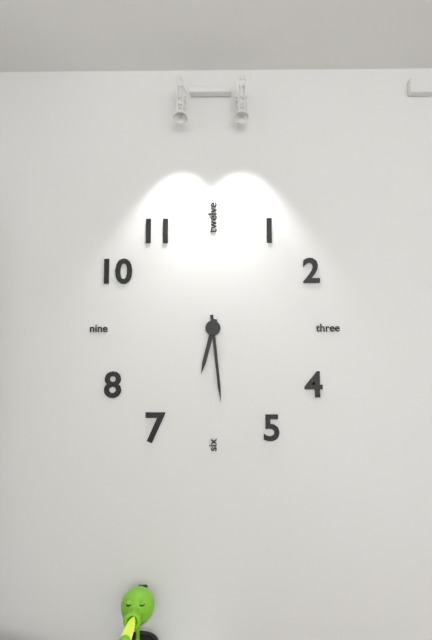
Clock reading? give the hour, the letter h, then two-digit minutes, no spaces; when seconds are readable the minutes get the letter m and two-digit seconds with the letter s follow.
6h29
